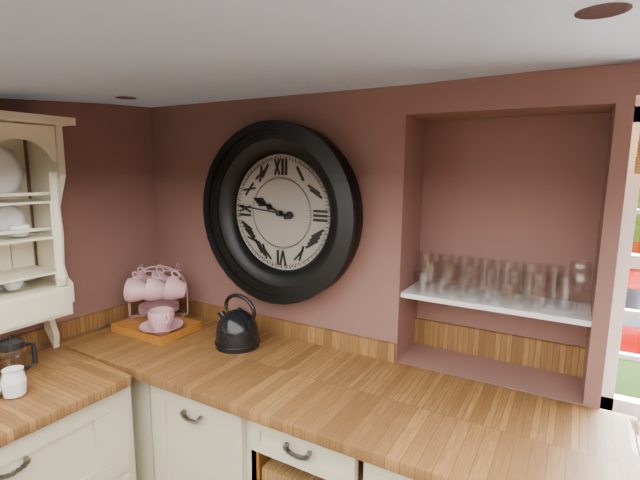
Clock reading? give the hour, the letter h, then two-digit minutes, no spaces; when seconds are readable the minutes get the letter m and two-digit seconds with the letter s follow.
9h46
